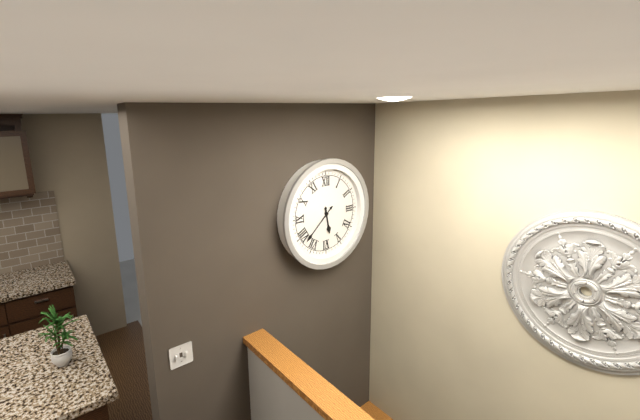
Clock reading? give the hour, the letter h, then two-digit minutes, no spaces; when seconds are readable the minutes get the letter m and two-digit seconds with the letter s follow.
5h38
